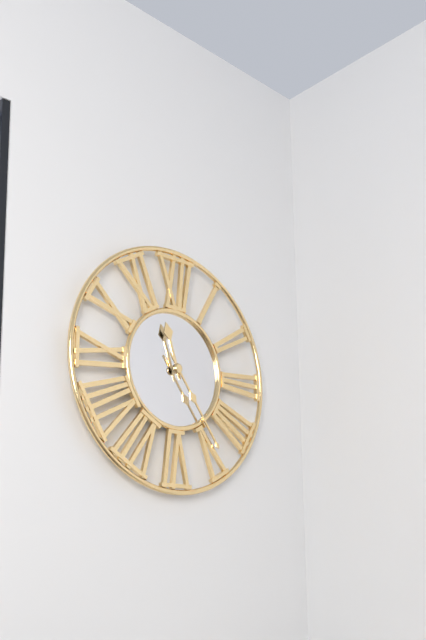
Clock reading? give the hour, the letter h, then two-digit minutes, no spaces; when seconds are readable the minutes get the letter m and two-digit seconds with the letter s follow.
11h24
